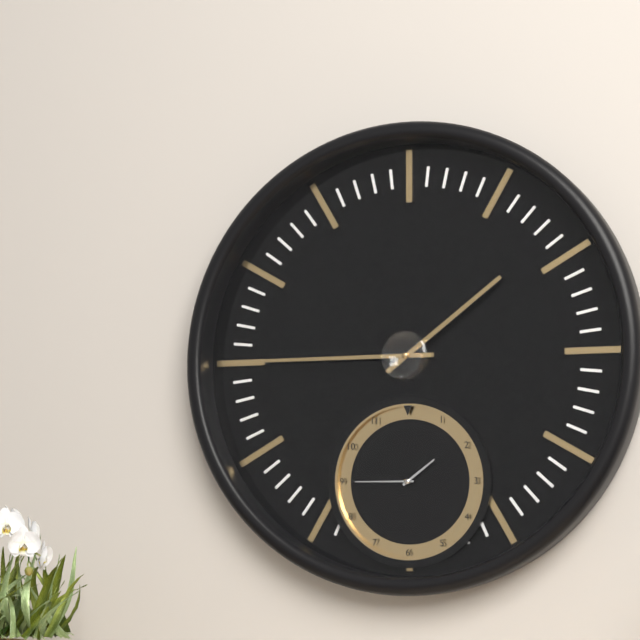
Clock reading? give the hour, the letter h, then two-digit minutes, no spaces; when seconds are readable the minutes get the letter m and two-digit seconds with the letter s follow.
1h45
